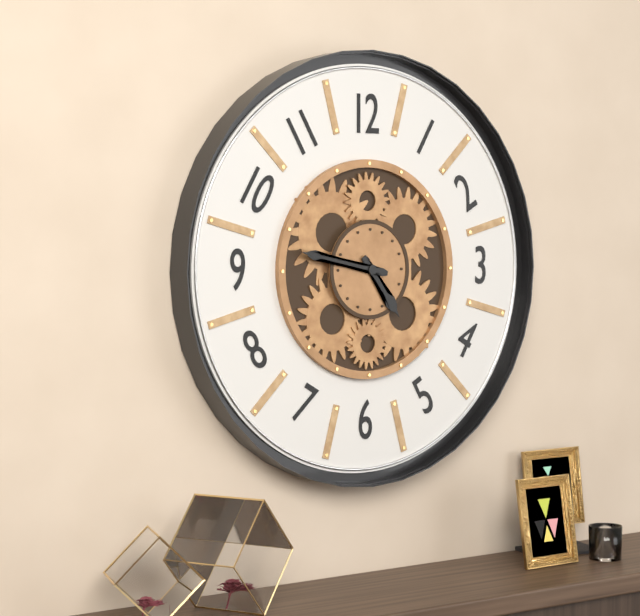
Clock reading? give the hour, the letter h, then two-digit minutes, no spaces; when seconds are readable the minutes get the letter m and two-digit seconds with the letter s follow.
4h47
